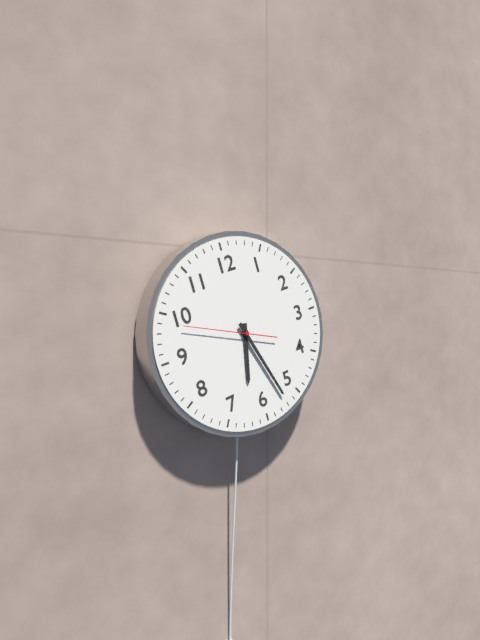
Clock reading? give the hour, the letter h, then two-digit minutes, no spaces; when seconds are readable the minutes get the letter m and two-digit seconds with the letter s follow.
6h27m49s
